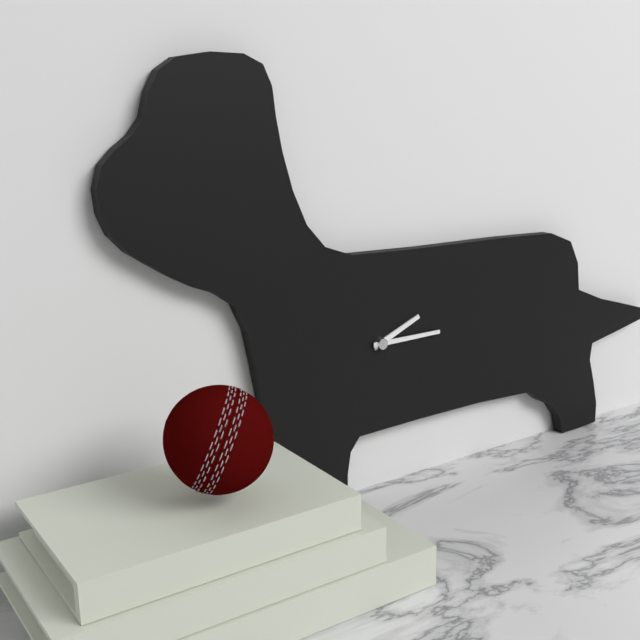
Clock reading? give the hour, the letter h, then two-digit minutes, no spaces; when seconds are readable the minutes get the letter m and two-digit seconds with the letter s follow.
2h15
